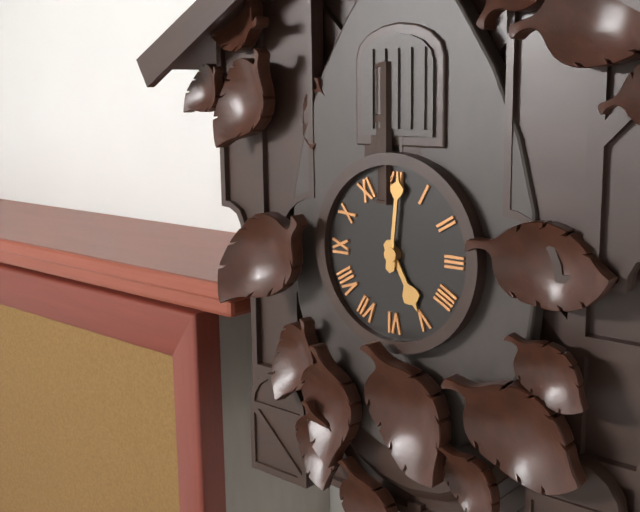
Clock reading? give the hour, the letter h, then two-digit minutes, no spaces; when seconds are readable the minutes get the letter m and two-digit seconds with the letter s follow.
5h01
